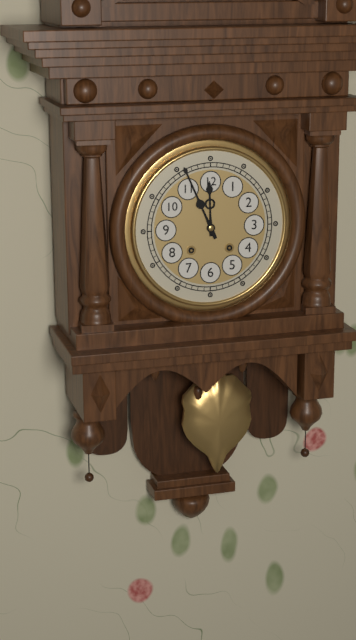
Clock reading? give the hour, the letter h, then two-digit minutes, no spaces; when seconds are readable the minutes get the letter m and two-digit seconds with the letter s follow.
11h56
